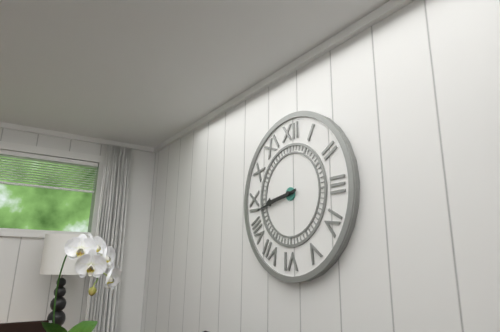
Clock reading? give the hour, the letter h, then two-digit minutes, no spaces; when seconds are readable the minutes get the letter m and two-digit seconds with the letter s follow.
8h43
